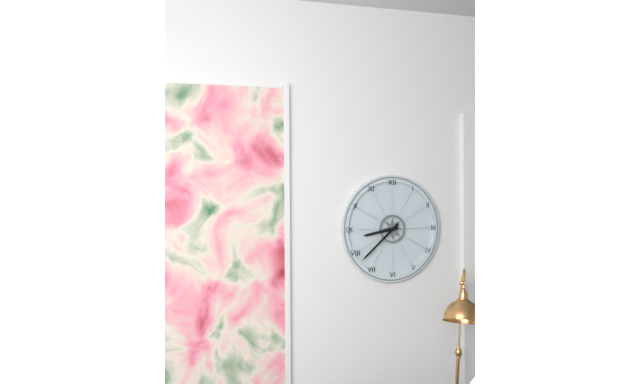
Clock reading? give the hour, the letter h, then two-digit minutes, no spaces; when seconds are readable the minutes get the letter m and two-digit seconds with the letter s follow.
8h38
